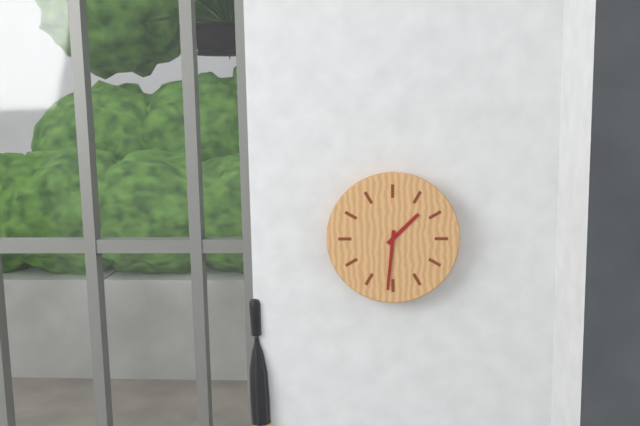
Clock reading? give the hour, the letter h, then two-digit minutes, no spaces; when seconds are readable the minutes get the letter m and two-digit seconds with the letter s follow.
1h31
